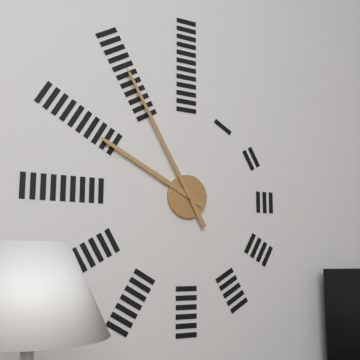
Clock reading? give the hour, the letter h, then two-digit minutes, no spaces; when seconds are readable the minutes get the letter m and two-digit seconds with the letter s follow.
9h55
